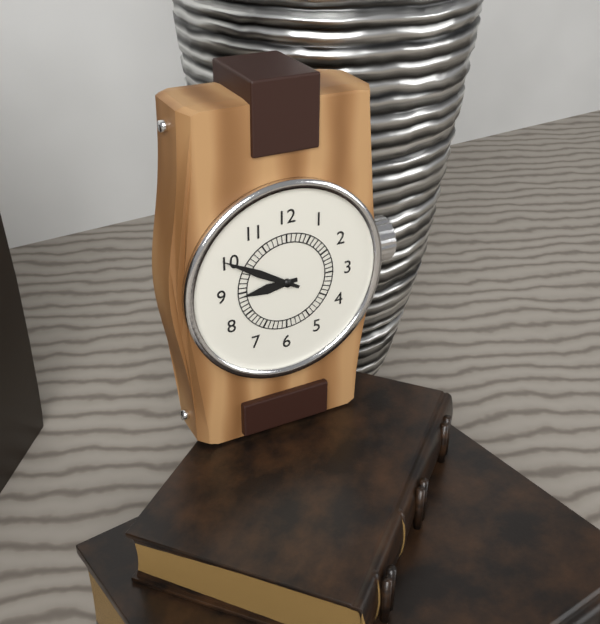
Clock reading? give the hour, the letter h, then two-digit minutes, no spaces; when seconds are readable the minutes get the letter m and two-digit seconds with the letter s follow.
8h50
